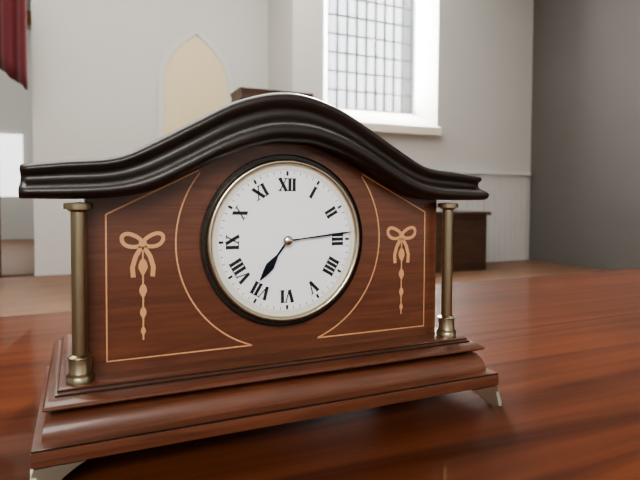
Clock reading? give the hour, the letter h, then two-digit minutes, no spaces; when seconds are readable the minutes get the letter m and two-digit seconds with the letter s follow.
7h14
